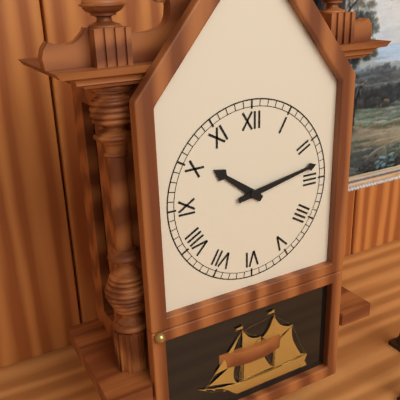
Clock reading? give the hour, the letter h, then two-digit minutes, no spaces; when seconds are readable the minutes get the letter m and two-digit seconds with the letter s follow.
10h13
